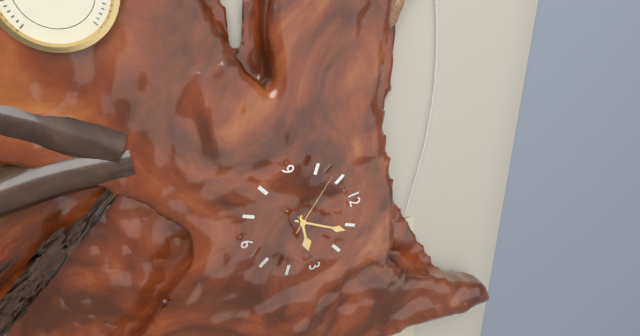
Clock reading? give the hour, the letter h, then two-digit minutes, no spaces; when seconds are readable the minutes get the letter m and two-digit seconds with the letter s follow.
3h06m53s
